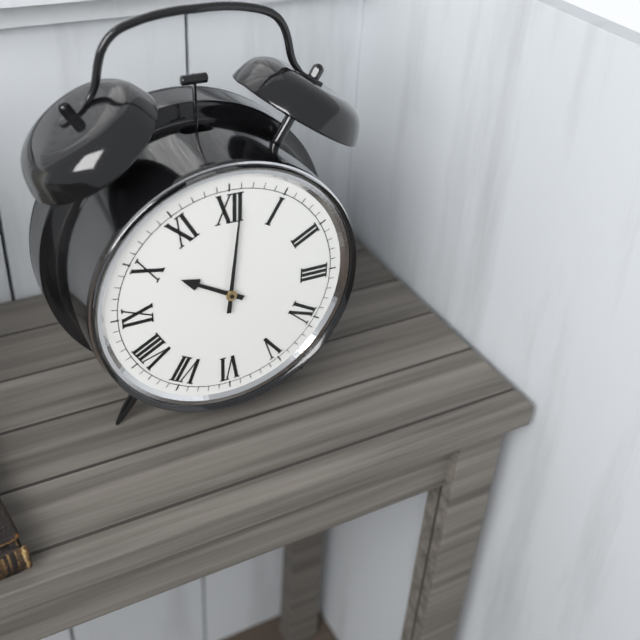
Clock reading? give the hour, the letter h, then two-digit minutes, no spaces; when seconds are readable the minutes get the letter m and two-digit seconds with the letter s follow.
10h01
